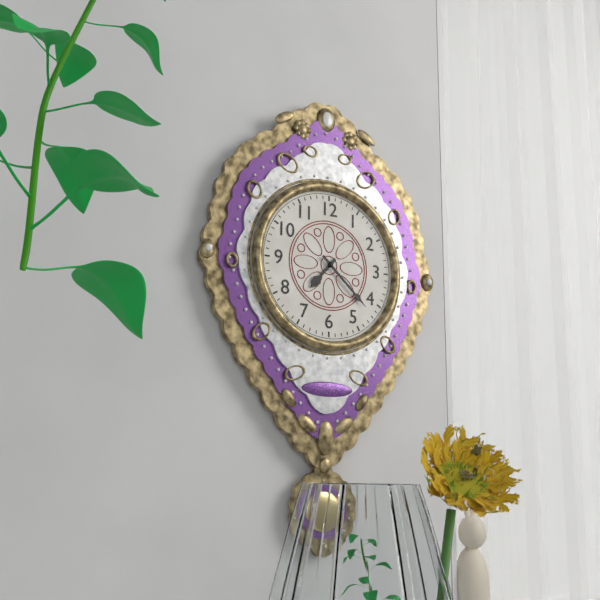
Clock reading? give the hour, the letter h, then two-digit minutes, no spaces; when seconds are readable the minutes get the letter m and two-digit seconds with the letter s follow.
7h22
